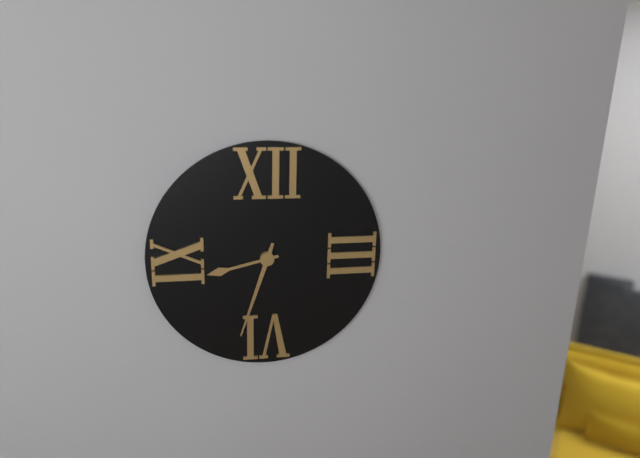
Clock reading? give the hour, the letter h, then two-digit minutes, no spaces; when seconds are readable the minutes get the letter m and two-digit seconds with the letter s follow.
8h33
